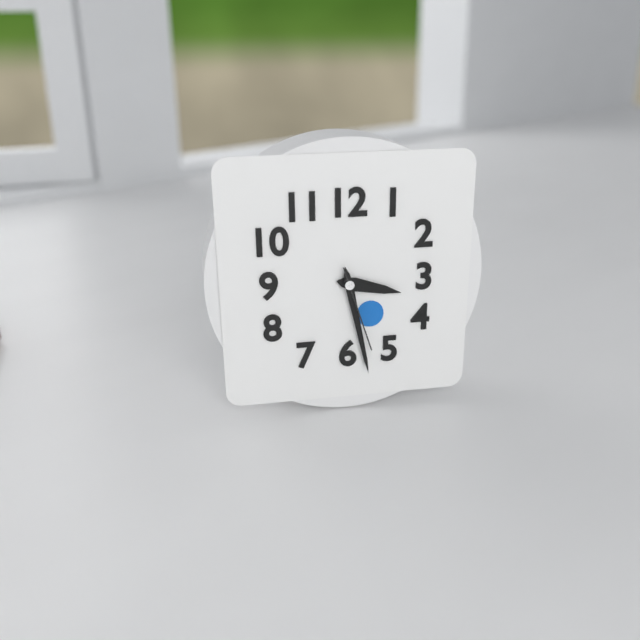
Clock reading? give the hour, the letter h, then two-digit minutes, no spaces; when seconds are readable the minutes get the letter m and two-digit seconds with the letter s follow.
3h28m27s
